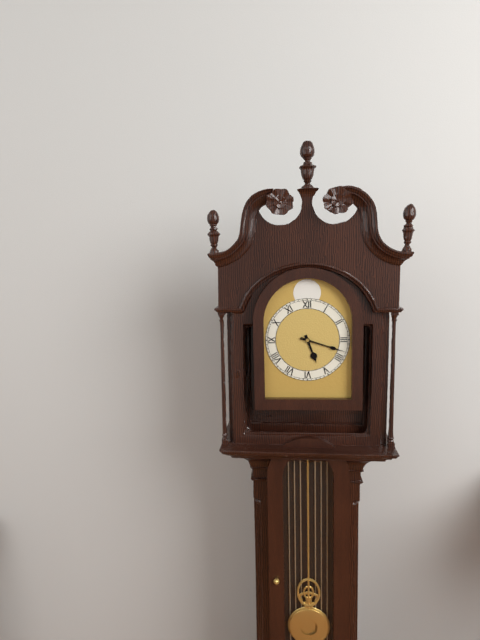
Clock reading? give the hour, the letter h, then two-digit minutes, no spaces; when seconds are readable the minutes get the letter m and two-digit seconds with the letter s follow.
5h18
